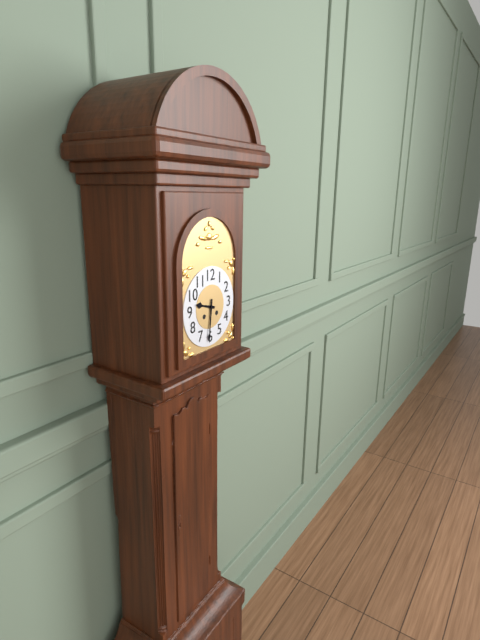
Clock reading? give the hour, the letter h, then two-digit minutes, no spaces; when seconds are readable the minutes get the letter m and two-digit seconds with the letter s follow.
9h31
